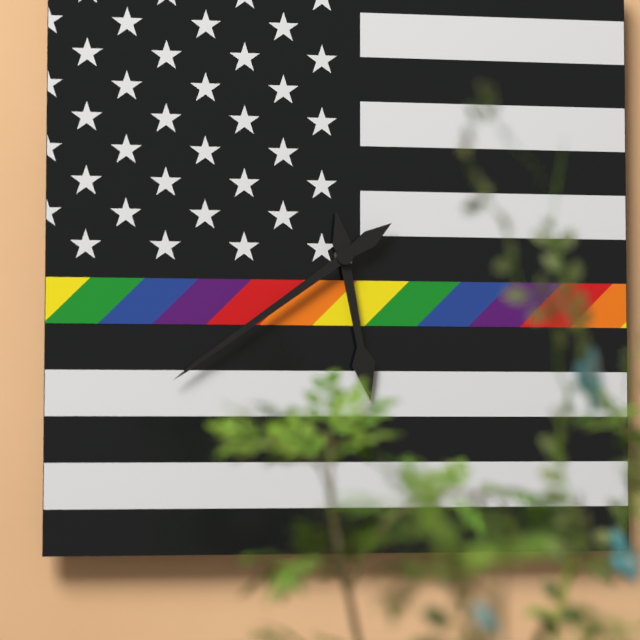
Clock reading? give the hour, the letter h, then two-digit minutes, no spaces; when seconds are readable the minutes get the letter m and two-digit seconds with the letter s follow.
5h39
